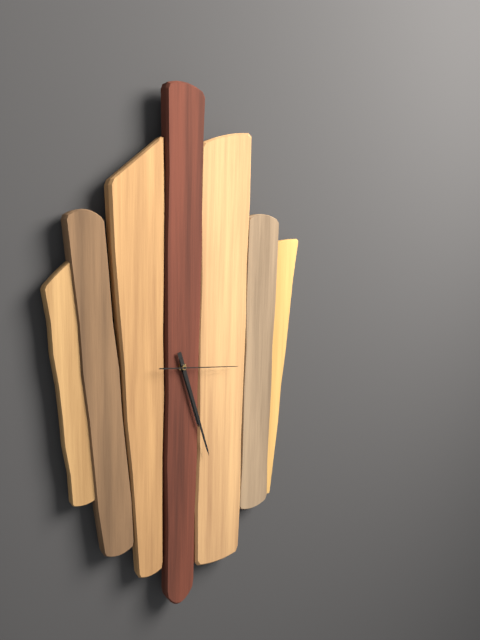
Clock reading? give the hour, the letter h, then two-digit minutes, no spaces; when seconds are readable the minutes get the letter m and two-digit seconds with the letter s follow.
5h27m16s
